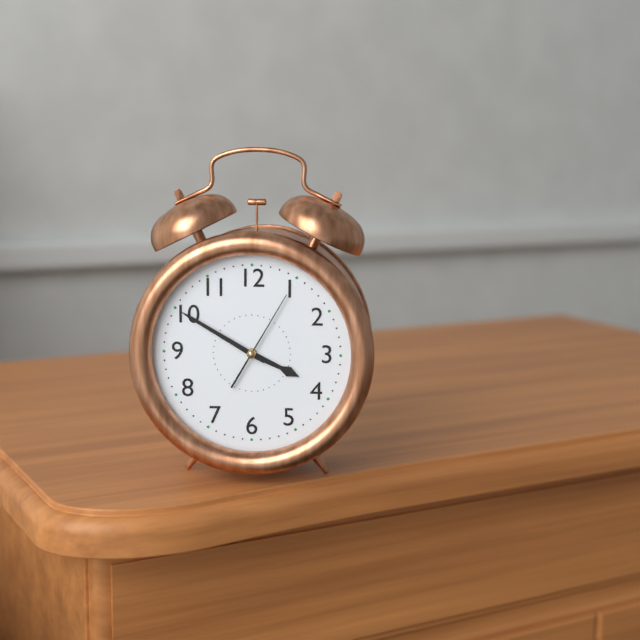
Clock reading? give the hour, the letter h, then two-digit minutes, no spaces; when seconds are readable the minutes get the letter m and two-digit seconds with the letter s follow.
3h50m05s
